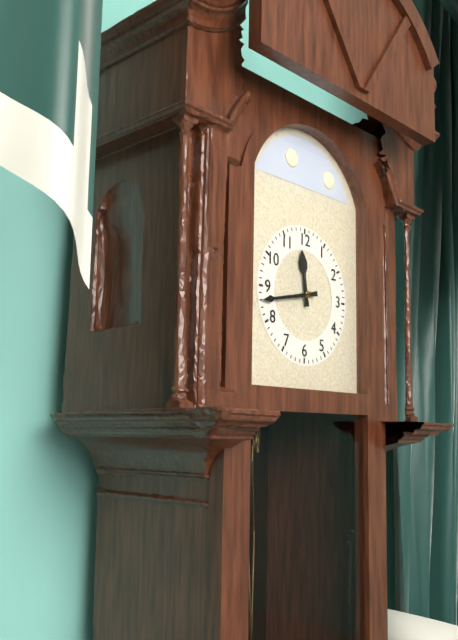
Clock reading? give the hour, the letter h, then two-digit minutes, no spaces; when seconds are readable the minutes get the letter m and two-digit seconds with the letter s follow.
11h43
